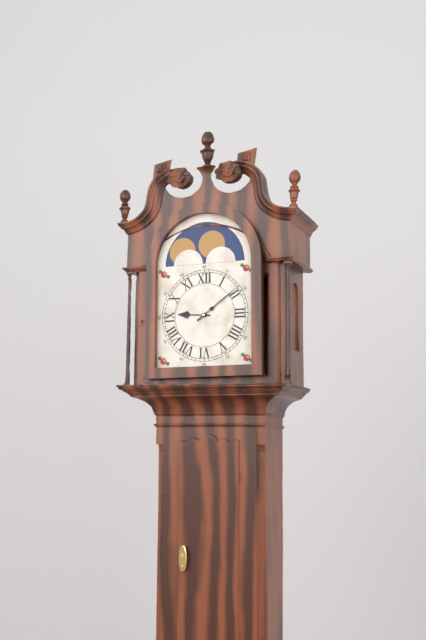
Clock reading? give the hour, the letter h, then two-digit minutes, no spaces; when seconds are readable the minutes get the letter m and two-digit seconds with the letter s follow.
9h09
